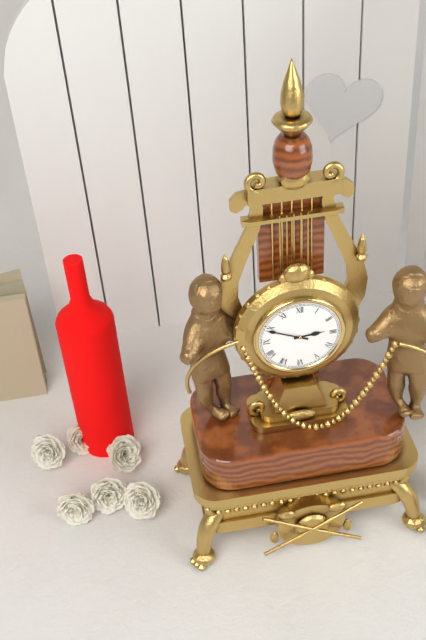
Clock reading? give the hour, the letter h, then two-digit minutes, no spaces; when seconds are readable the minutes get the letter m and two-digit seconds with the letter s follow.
2h49
